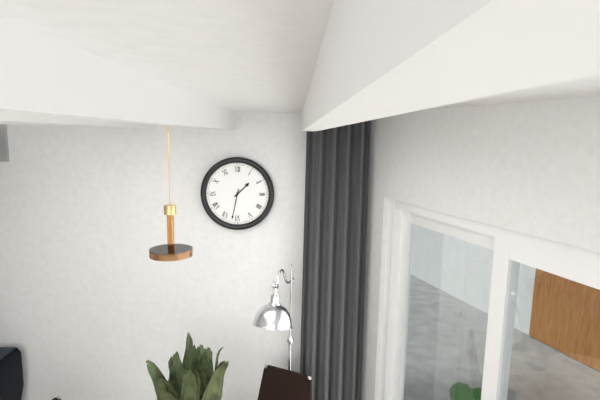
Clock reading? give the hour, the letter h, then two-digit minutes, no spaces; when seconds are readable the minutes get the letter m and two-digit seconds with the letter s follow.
1h32
